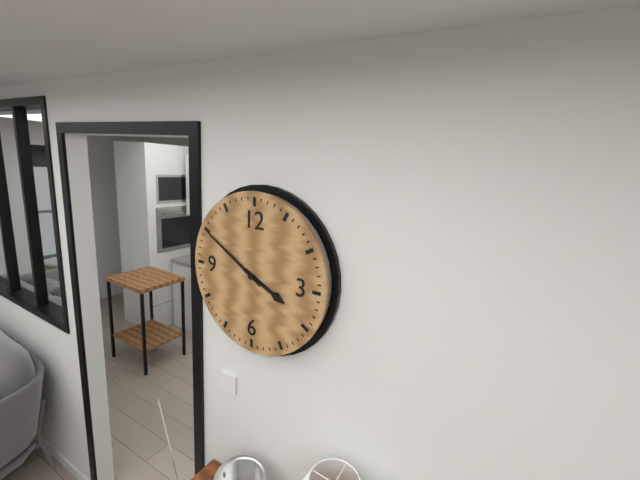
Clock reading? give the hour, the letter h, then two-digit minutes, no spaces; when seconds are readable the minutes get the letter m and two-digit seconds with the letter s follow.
3h50
